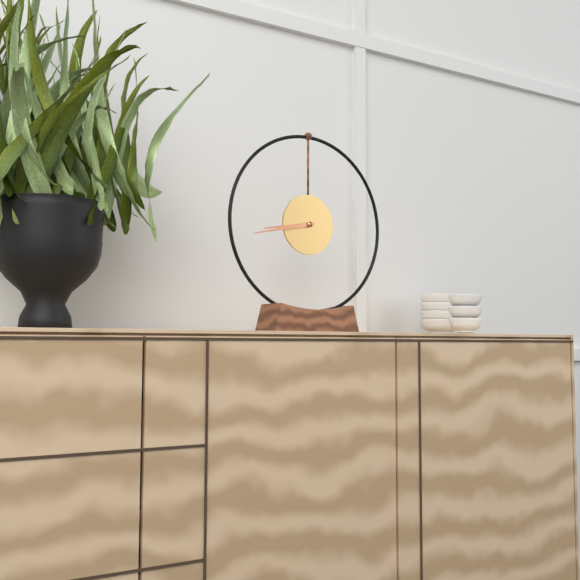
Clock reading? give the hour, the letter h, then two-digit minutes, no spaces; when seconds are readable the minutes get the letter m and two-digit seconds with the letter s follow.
8h43
